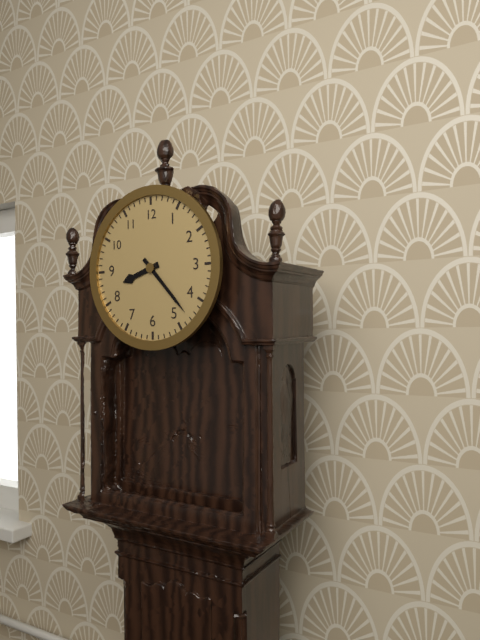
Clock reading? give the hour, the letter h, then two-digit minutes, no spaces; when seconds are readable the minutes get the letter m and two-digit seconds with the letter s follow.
8h23
